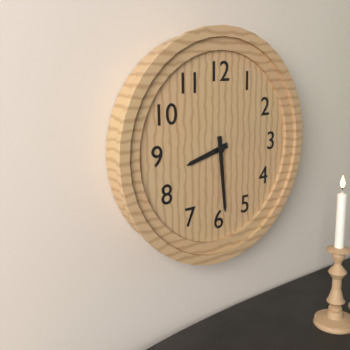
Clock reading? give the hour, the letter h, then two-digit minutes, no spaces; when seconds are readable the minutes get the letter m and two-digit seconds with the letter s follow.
8h29
